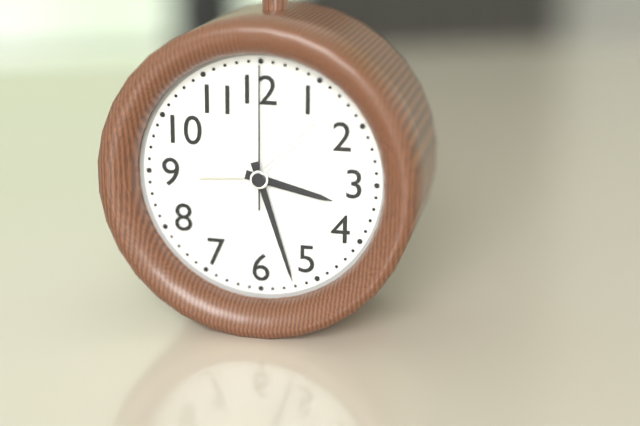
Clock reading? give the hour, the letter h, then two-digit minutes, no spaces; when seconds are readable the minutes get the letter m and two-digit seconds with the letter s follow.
3h27m00s
